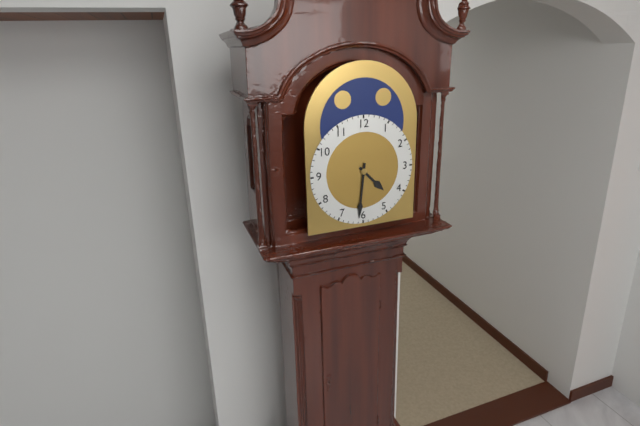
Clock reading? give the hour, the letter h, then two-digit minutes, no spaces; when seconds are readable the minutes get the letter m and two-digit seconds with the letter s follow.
4h31
